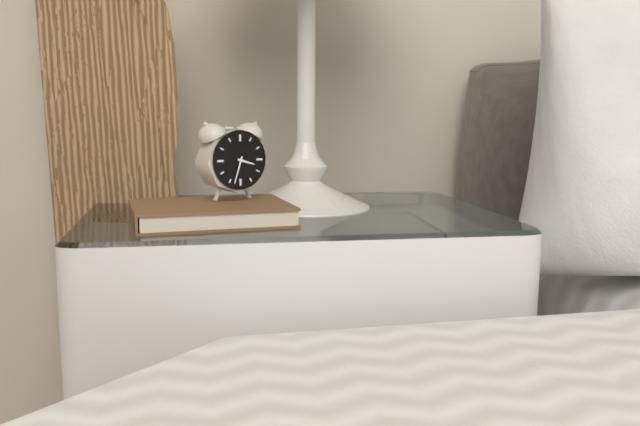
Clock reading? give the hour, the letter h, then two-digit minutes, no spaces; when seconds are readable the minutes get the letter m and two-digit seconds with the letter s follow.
3h33
